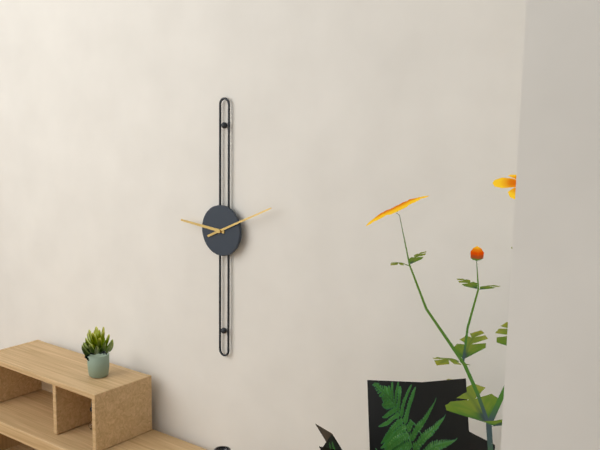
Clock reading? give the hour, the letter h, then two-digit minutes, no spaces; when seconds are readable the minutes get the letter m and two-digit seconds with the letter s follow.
9h11
